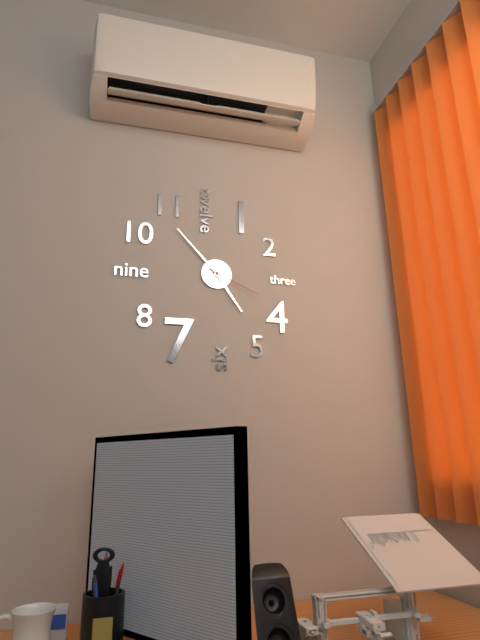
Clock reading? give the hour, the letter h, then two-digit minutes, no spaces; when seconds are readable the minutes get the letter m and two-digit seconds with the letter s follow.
4h53m19s
